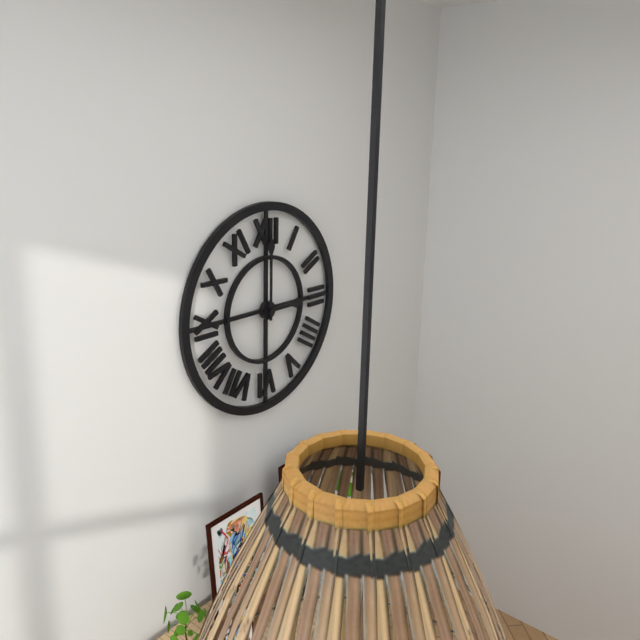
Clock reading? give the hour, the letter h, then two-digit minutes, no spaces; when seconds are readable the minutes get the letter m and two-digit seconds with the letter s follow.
3h00
